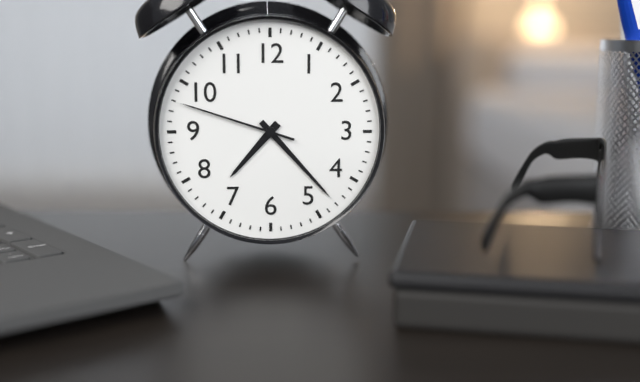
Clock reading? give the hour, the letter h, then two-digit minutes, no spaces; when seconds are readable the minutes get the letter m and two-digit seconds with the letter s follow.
7h23m48s
